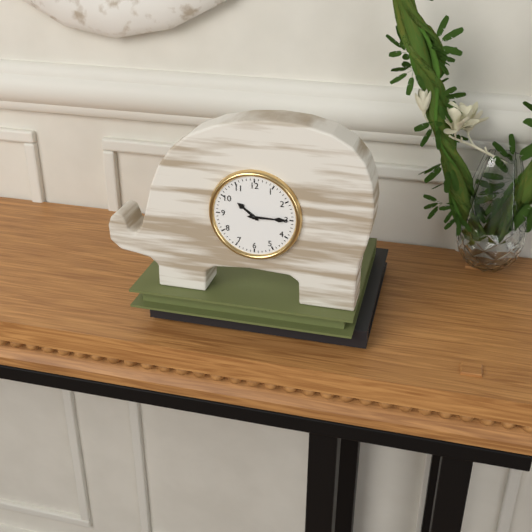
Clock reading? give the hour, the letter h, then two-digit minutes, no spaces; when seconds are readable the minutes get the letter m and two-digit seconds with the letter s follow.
10h15
